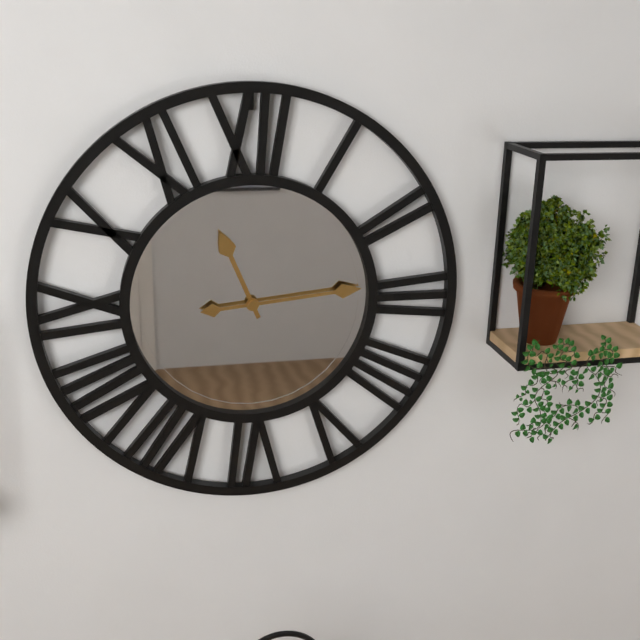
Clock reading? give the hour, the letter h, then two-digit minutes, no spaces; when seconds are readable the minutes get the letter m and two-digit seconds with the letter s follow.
11h14
